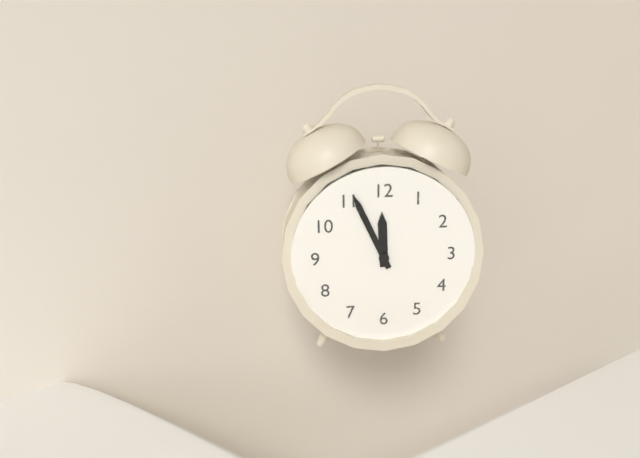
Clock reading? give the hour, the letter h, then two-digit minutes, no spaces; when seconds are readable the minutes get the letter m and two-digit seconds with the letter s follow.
11h56
